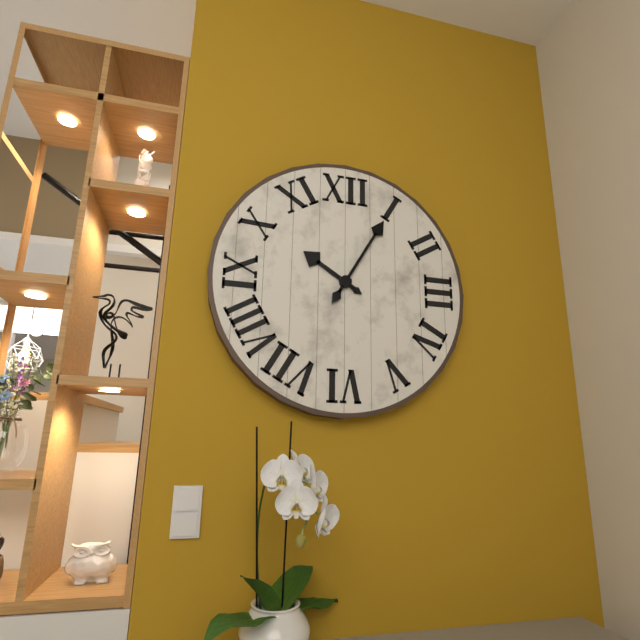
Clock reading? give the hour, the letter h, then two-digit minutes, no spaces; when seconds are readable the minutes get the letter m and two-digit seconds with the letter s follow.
10h05
